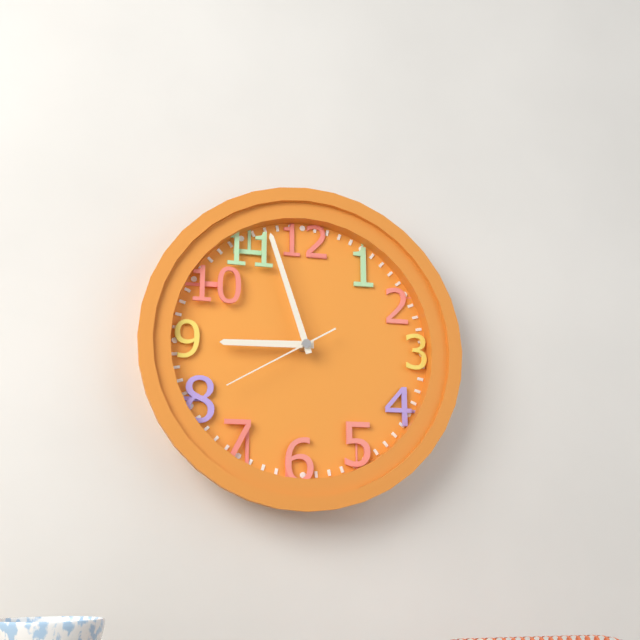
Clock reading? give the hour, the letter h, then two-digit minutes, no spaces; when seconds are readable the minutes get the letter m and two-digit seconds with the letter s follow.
8h57m40s
